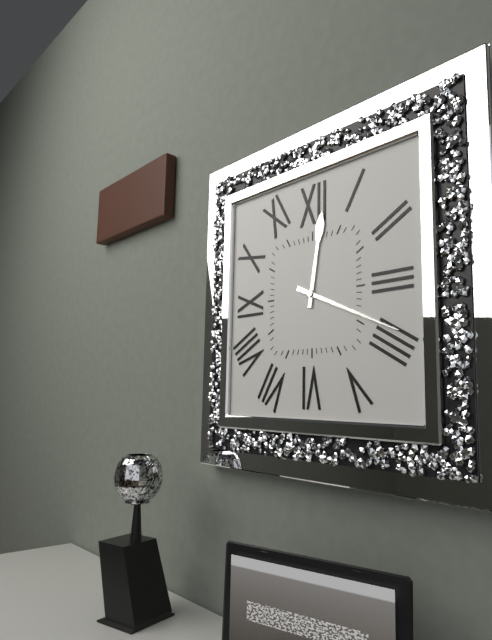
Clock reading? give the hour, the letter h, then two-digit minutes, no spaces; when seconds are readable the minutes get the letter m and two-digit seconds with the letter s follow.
12h19
